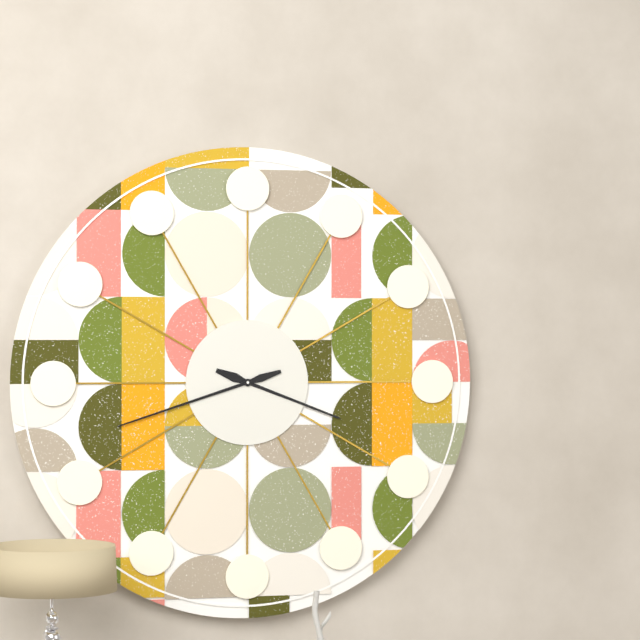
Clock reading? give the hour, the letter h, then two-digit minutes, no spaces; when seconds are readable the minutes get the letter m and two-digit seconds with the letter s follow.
3h42
